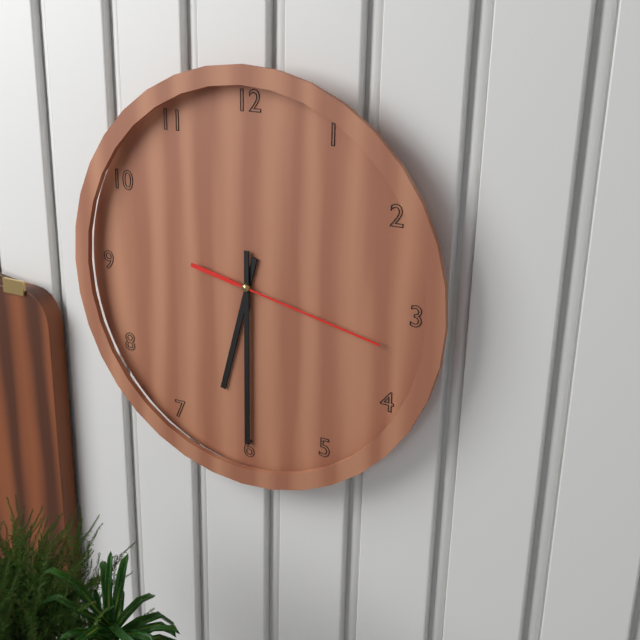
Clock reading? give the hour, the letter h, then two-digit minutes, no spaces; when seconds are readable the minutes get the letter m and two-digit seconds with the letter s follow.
6h30m17s
